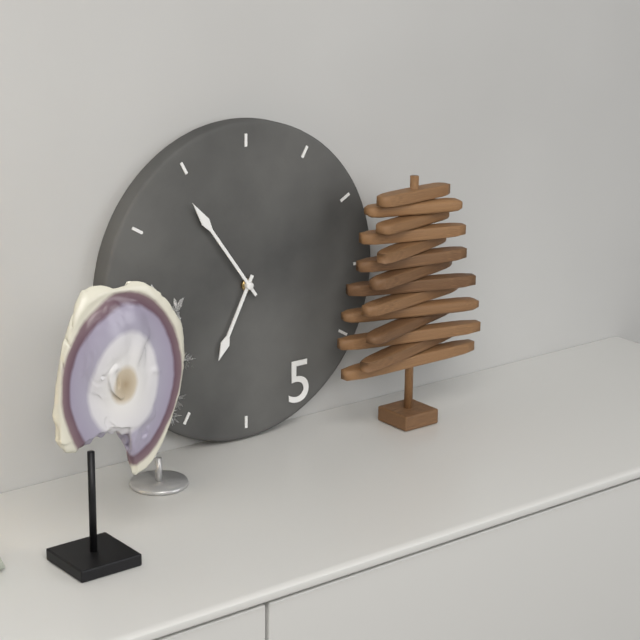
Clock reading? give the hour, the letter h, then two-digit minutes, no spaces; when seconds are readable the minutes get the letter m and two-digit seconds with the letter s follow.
6h54
